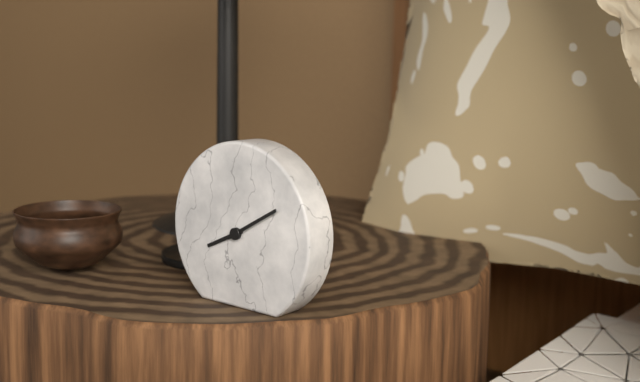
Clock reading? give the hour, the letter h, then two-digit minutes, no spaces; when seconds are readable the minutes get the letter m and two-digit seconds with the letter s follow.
8h10
